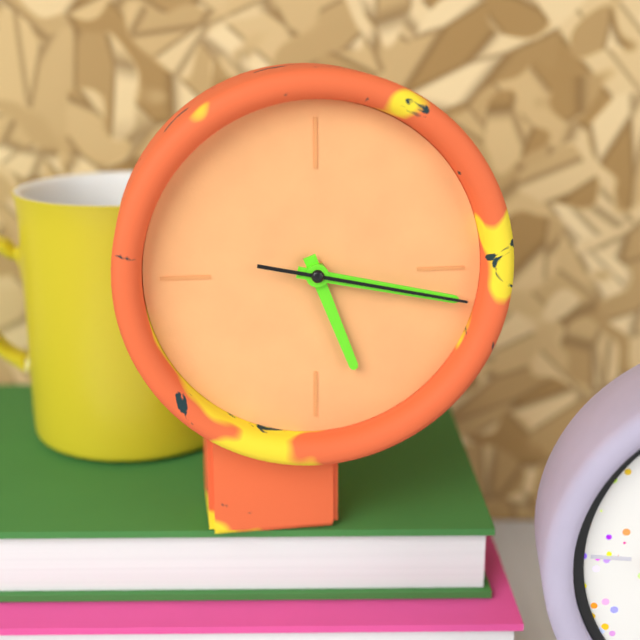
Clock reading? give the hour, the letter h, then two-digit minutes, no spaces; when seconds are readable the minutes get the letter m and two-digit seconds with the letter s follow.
5h17m17s
